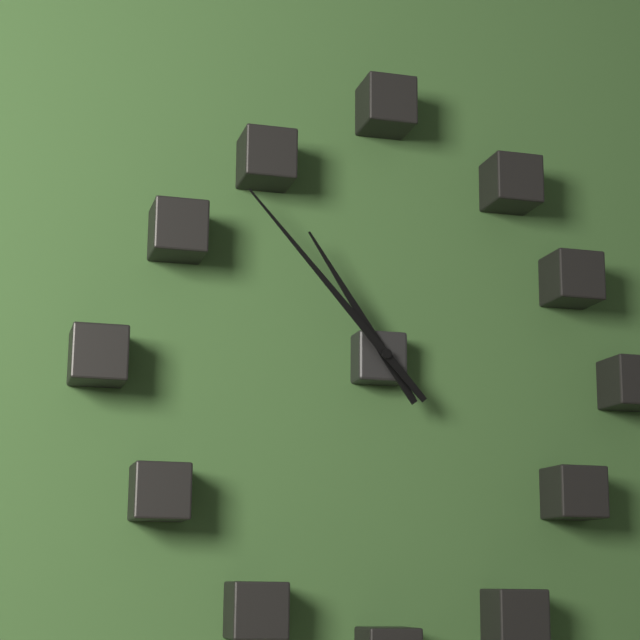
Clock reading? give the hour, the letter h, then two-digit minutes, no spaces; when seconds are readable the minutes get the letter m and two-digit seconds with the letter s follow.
10h53
